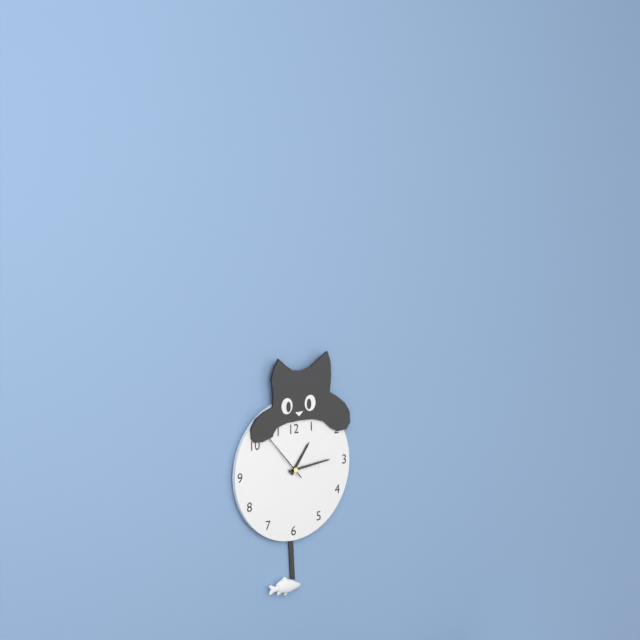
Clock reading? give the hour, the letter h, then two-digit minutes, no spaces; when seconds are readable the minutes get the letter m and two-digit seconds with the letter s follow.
1h14m53s
